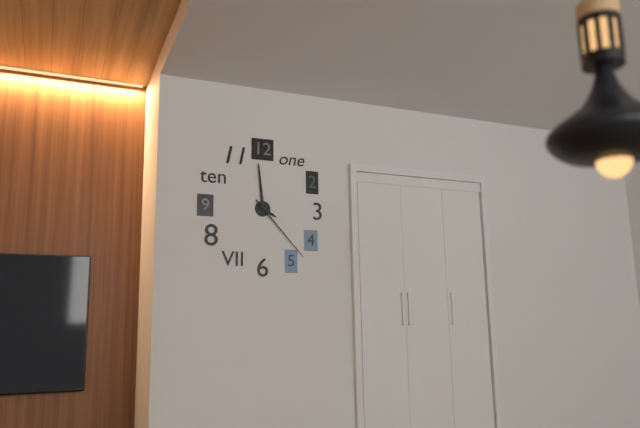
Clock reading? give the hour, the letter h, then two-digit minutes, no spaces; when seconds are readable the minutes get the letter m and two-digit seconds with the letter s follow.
3h59m23s
